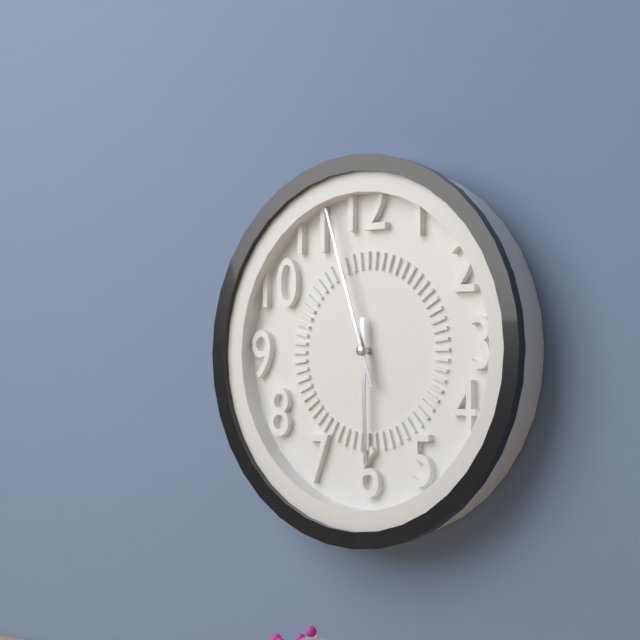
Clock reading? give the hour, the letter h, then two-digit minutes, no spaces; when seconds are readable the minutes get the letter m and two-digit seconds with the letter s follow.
5h57
